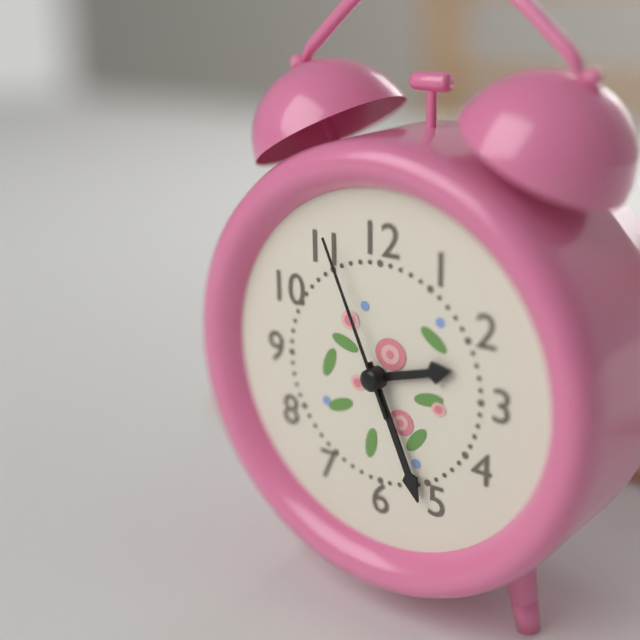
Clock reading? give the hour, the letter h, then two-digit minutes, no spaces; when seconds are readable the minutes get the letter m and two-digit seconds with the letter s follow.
2h26m56s
